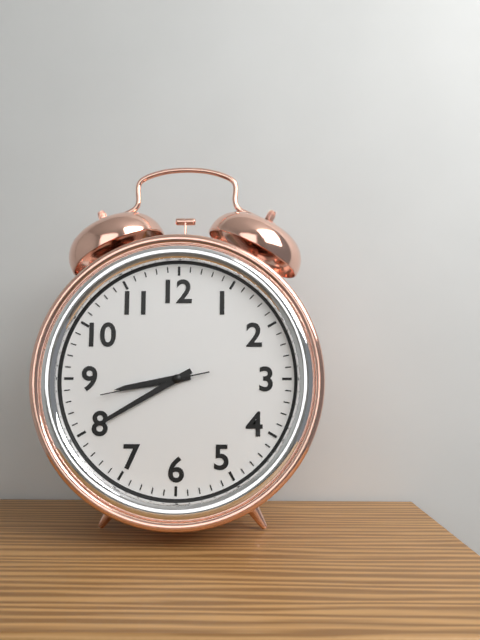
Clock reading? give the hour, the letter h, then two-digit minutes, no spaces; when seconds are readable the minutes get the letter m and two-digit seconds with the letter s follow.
8h40m43s
